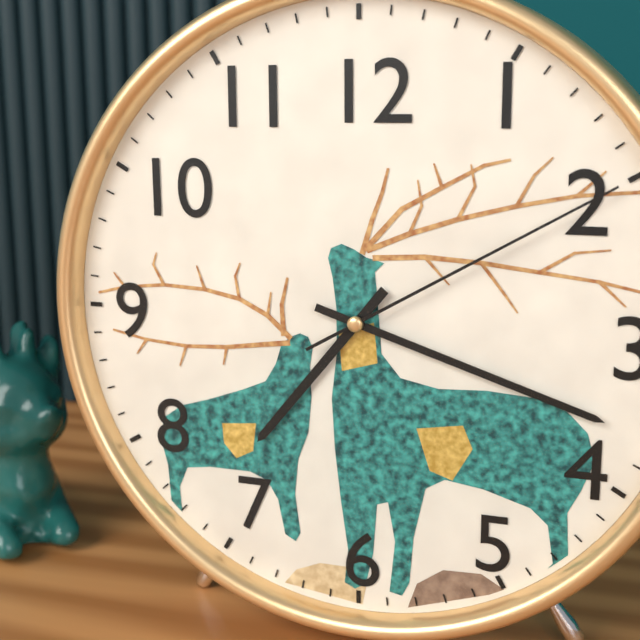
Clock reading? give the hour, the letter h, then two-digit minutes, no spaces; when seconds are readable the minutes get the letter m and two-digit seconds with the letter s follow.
7h18m10s
